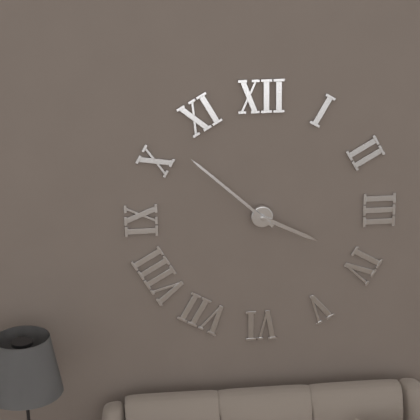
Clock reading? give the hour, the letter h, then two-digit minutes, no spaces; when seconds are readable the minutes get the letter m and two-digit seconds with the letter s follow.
3h52
